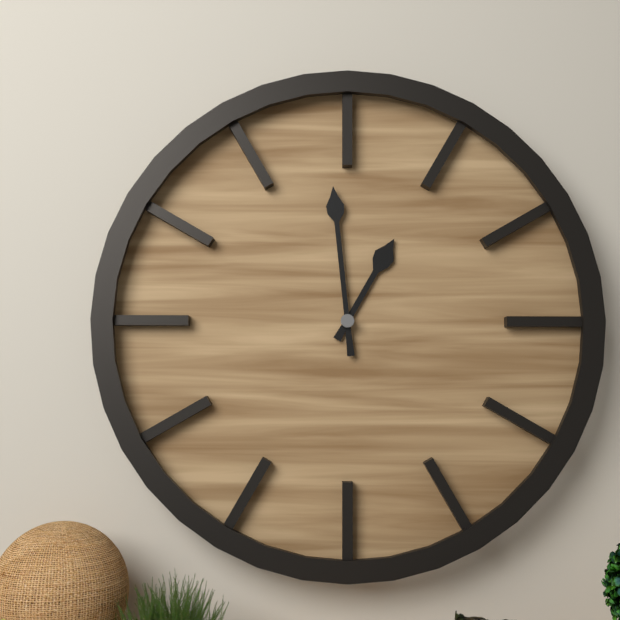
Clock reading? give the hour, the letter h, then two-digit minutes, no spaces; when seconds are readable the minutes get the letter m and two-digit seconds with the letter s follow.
12h59
